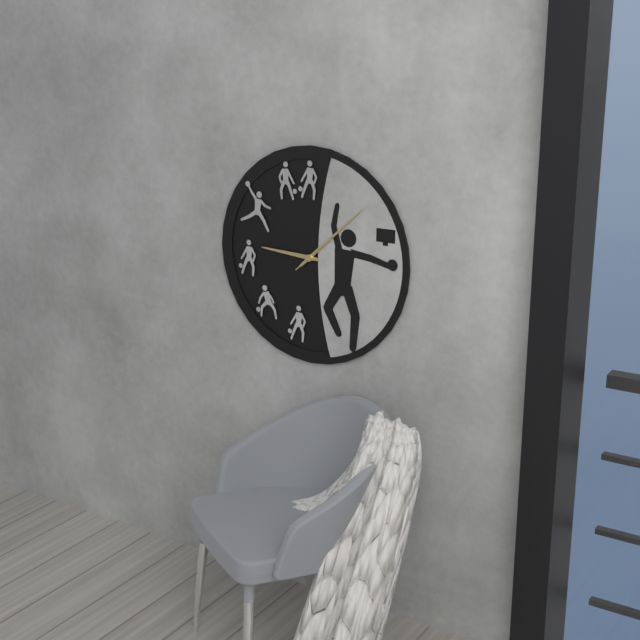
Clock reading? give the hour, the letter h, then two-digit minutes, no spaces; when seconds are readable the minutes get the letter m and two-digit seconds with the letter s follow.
9h08m08s
